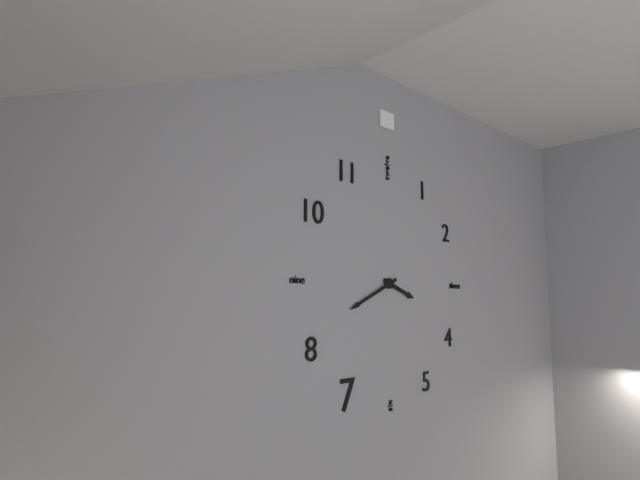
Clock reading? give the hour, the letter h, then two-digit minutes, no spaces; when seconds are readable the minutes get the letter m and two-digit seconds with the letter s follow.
3h41
